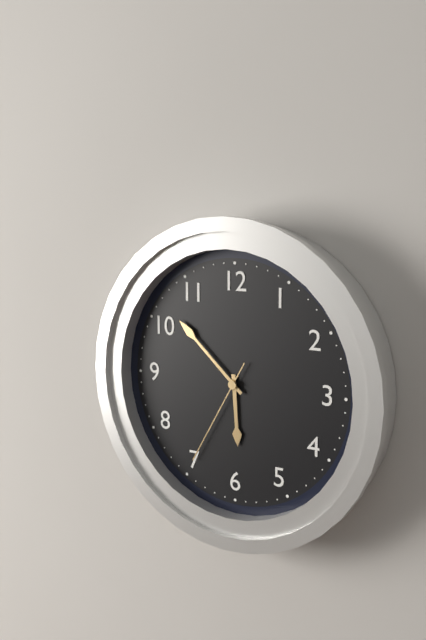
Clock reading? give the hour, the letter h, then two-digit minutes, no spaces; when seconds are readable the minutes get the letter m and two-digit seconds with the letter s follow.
5h52m35s
